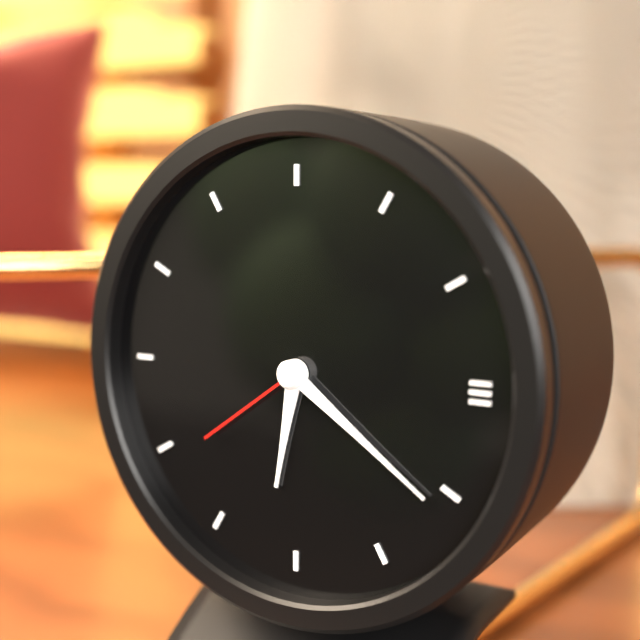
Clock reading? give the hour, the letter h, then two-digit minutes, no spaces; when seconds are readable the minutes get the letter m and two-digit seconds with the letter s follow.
6h21m39s
